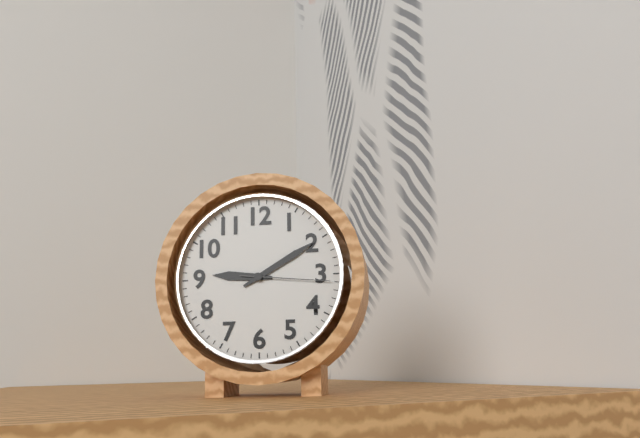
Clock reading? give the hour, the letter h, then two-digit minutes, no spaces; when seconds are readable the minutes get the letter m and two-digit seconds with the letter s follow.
9h10m16s
